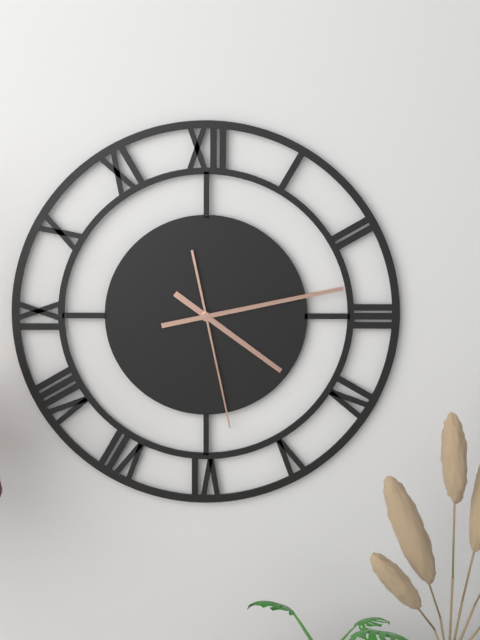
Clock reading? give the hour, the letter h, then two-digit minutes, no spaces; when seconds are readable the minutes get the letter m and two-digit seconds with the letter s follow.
4h13m28s
